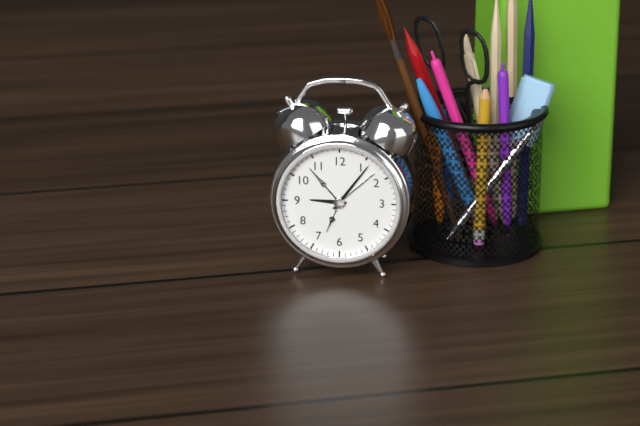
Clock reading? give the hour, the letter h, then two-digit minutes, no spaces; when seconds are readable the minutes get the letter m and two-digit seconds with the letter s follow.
9h06
